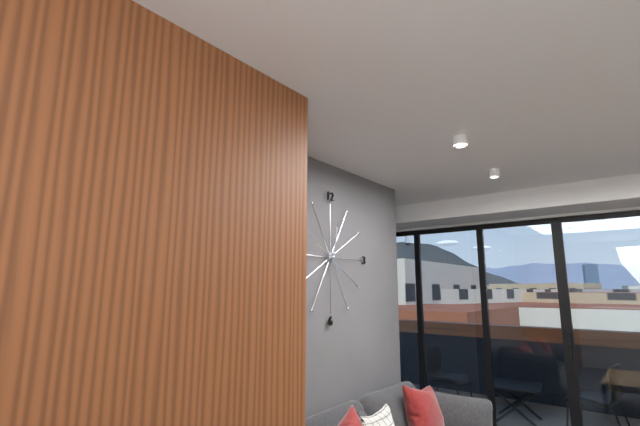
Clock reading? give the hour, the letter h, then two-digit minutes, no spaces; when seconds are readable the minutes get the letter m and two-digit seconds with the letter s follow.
5h02
